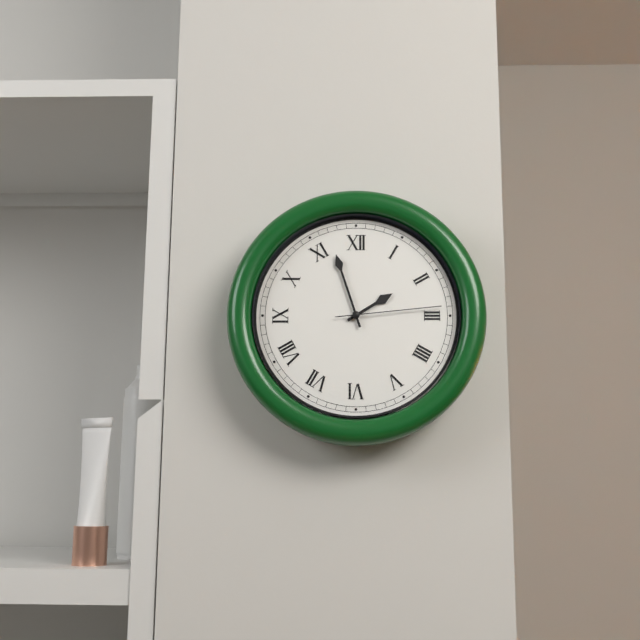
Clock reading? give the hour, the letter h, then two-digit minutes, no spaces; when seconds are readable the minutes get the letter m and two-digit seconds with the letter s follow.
1h57m14s
